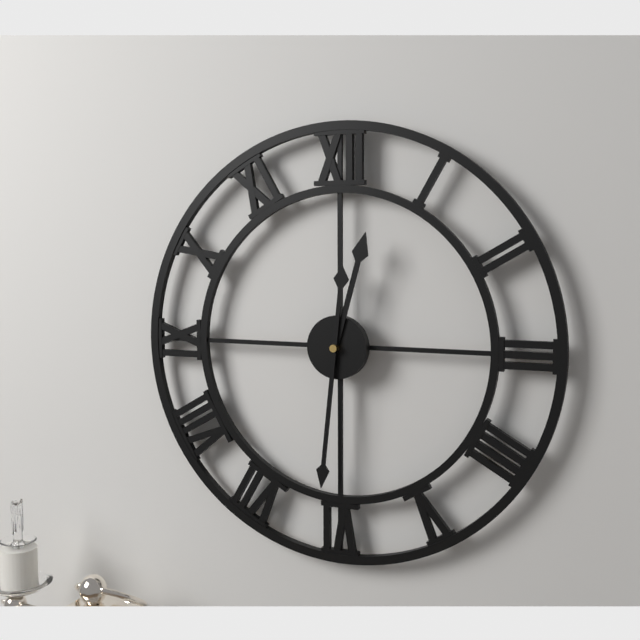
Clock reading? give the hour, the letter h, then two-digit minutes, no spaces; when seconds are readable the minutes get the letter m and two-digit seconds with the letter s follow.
12h31
